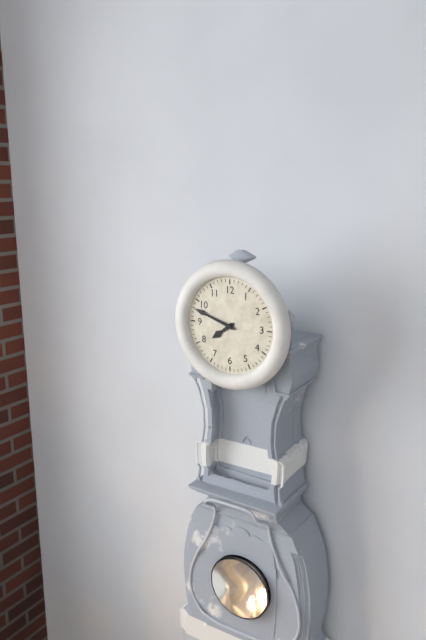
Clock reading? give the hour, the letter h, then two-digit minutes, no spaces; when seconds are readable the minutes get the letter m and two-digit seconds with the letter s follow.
7h48
